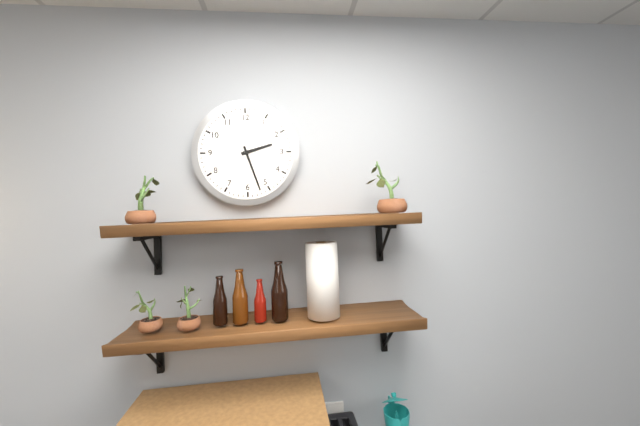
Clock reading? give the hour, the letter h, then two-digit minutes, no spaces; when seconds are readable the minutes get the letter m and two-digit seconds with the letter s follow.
2h27
